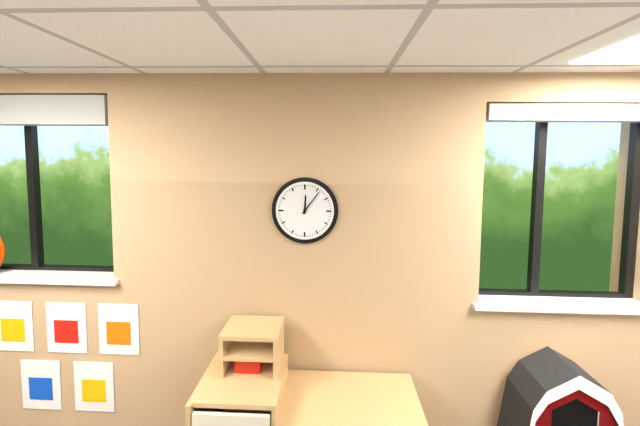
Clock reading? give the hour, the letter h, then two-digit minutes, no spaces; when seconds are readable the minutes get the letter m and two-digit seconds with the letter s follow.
12h06
